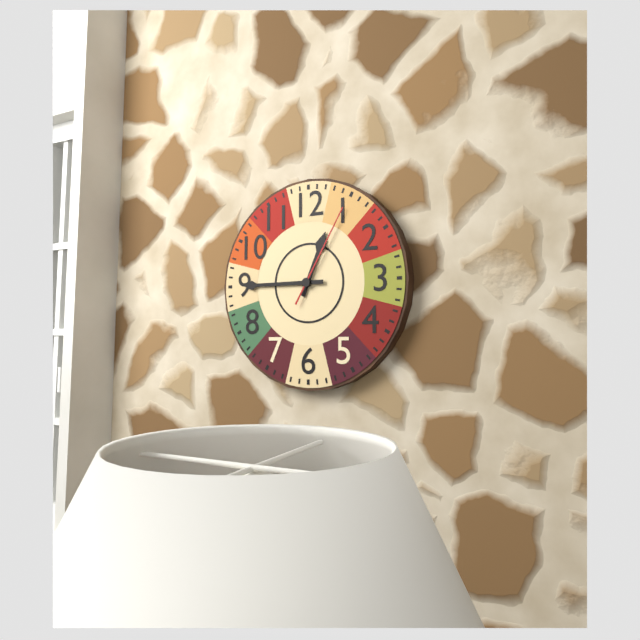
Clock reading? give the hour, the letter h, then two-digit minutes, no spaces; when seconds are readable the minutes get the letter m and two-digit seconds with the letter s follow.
12h45m05s
